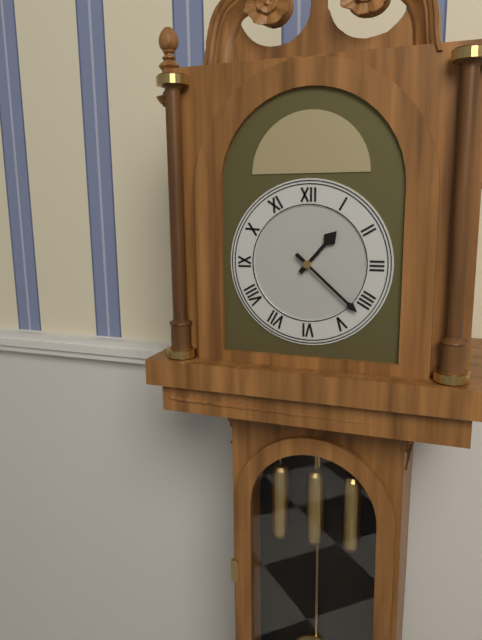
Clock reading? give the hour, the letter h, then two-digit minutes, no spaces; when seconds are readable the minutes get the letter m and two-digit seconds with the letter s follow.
1h22
